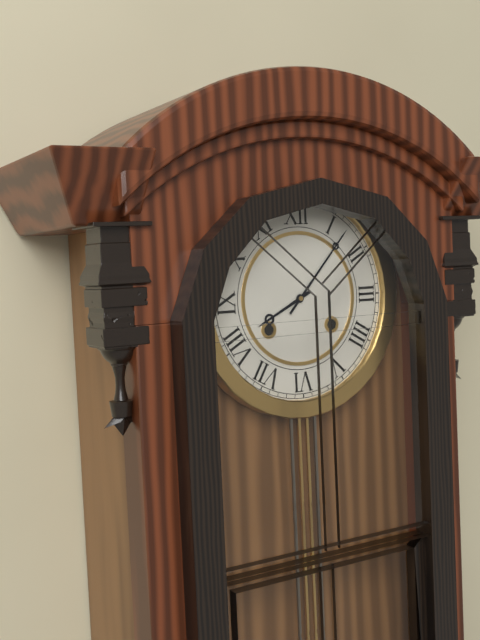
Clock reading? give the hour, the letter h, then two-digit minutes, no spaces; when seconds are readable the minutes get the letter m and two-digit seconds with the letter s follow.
8h07
